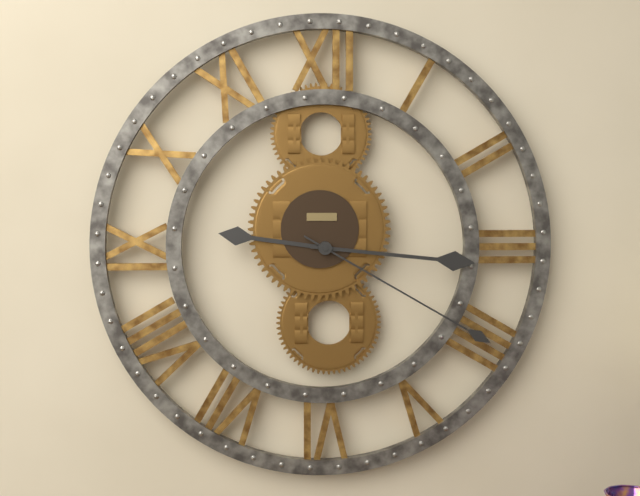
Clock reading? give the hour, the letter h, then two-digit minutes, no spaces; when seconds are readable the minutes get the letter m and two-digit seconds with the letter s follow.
9h16m20s
